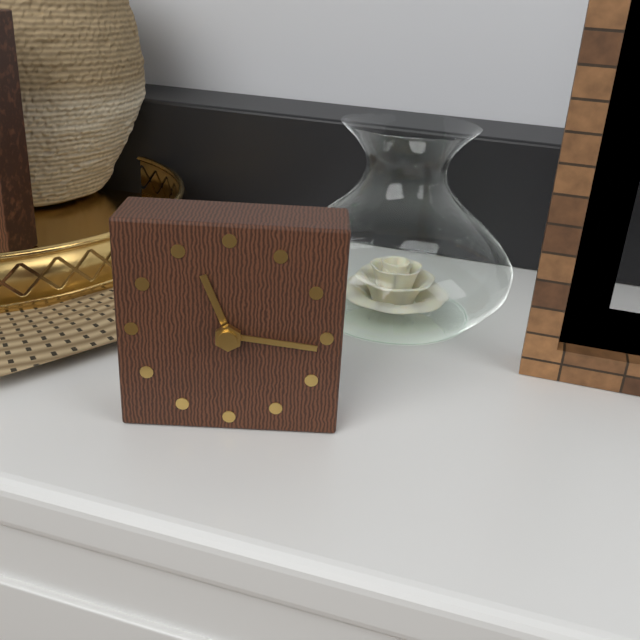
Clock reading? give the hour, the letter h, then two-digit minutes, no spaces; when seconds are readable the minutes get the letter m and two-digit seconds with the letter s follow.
11h16
